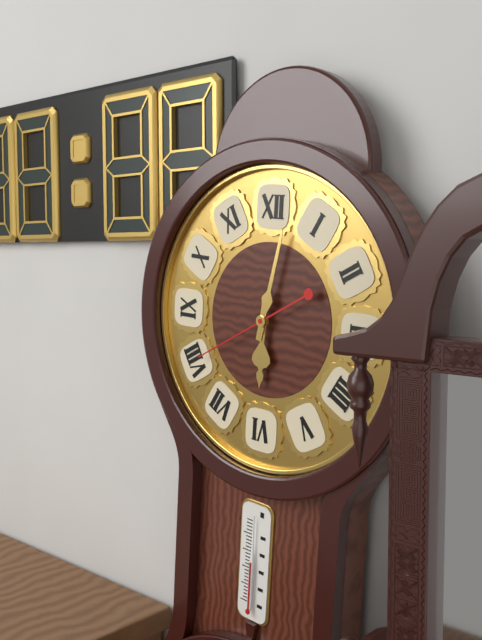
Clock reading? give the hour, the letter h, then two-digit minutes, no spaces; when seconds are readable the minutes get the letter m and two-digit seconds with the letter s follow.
6h02m40s
